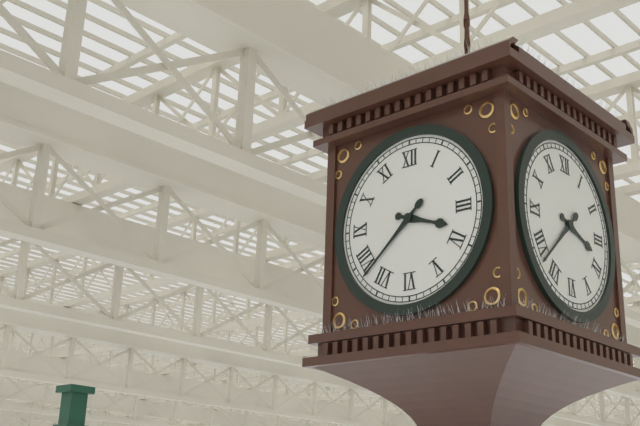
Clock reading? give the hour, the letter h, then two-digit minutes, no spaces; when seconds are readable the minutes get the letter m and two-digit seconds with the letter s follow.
3h38
